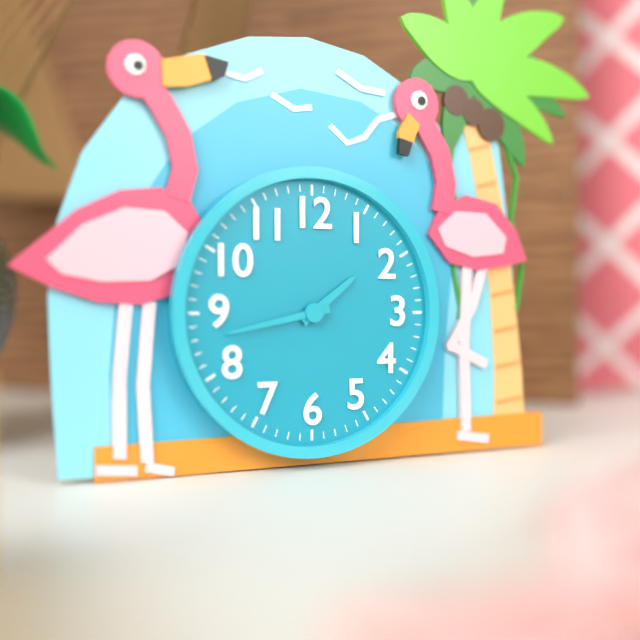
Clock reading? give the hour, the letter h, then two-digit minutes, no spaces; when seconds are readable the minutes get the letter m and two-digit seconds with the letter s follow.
1h43
